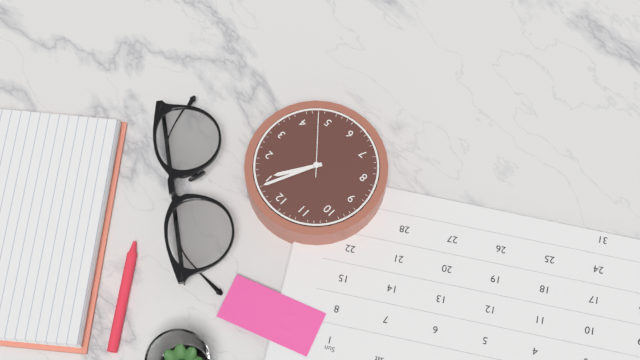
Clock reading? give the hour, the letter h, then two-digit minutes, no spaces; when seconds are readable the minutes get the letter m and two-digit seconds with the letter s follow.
1h04m23s
